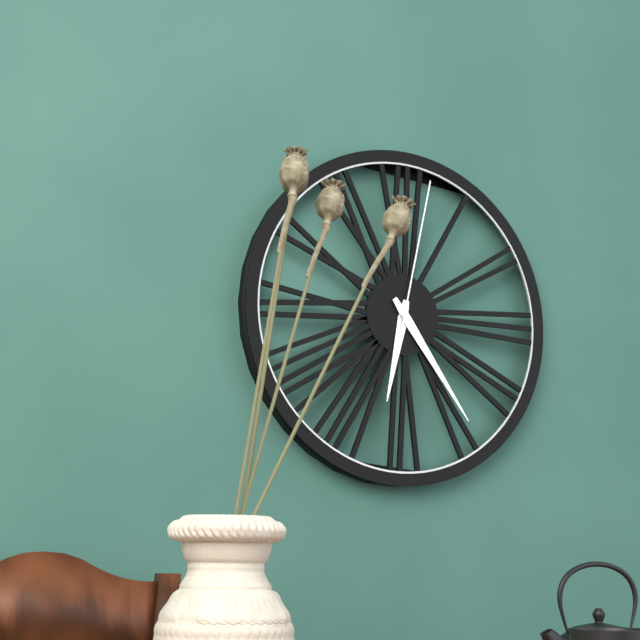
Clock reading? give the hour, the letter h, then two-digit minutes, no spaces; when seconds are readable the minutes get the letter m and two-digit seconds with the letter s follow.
6h24m02s
